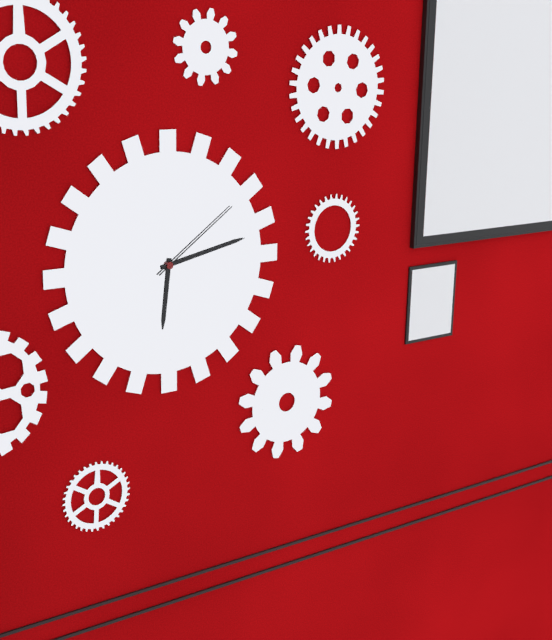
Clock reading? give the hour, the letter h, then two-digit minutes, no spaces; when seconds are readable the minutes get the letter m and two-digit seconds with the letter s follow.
6h13m09s
